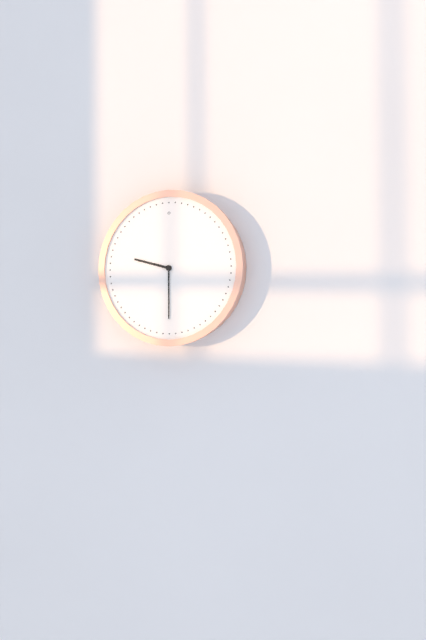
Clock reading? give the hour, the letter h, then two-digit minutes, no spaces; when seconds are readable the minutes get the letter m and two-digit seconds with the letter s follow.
9h30
